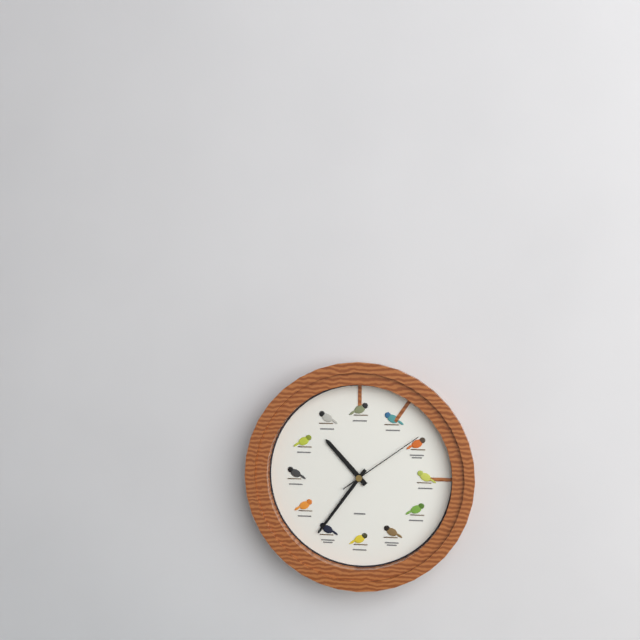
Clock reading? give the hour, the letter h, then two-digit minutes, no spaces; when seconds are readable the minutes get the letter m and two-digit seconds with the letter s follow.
10h36m09s
